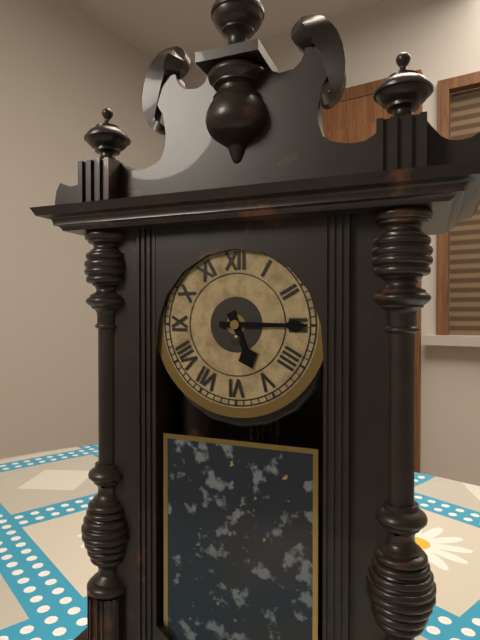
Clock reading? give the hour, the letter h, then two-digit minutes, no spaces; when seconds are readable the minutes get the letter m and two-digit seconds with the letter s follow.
5h15
